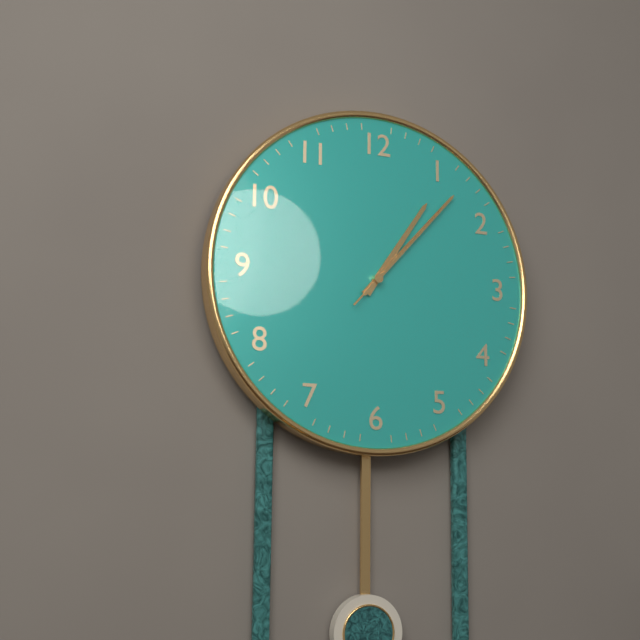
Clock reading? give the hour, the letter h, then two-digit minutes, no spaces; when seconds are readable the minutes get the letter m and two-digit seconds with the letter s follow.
1h07m07s
